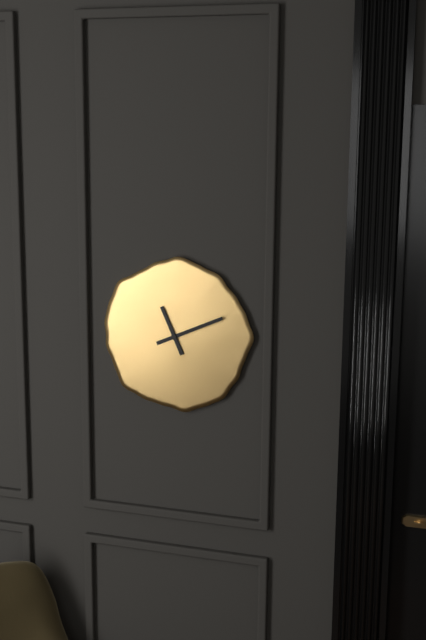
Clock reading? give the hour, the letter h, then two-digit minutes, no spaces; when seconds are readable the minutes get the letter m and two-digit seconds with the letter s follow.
11h11
